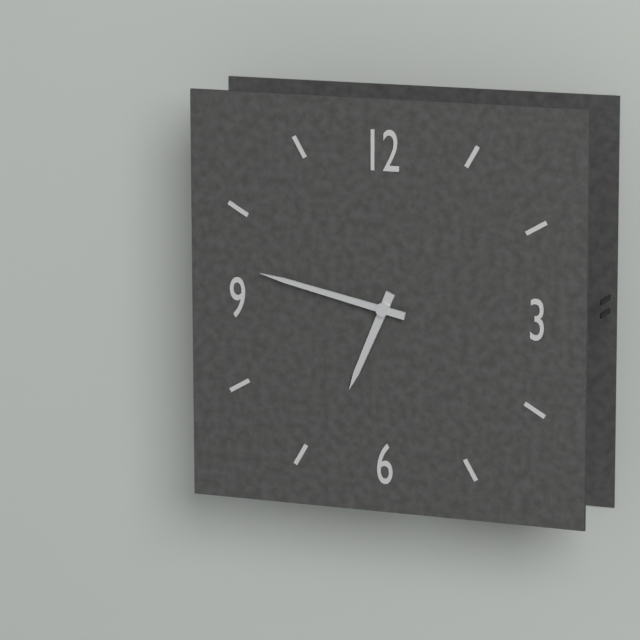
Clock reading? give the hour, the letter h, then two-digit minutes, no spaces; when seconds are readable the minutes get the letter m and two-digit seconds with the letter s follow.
6h47
